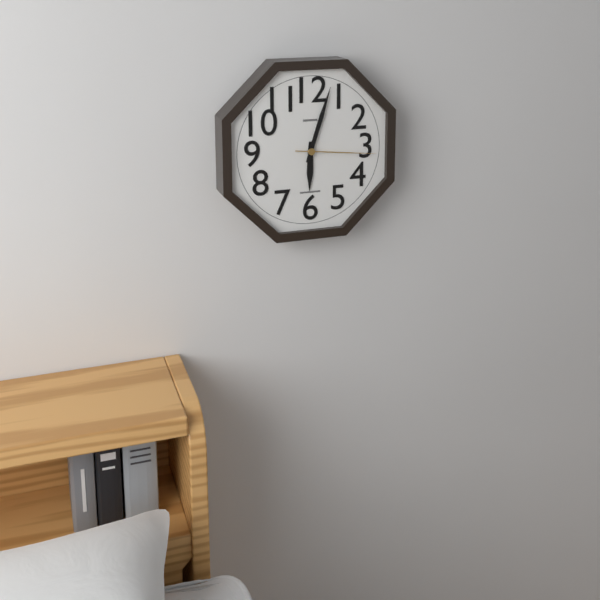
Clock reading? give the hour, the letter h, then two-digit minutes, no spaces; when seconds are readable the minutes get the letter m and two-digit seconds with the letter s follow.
6h03m16s
